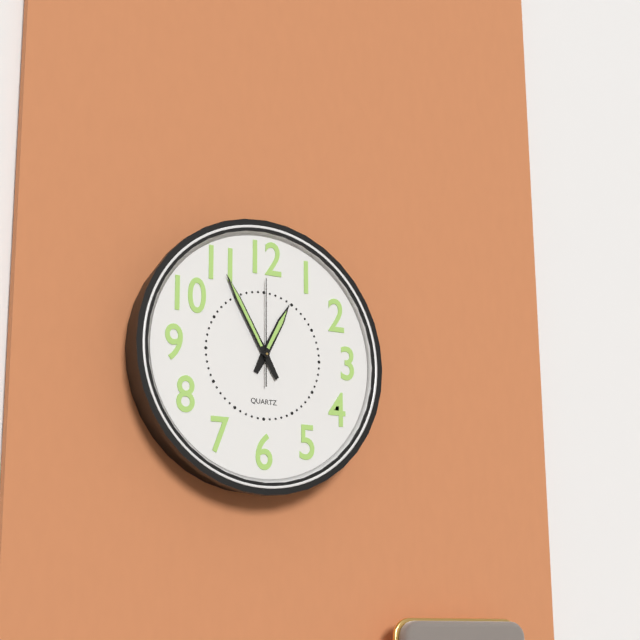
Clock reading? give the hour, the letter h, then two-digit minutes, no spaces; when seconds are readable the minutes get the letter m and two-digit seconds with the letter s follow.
12h55m00s
